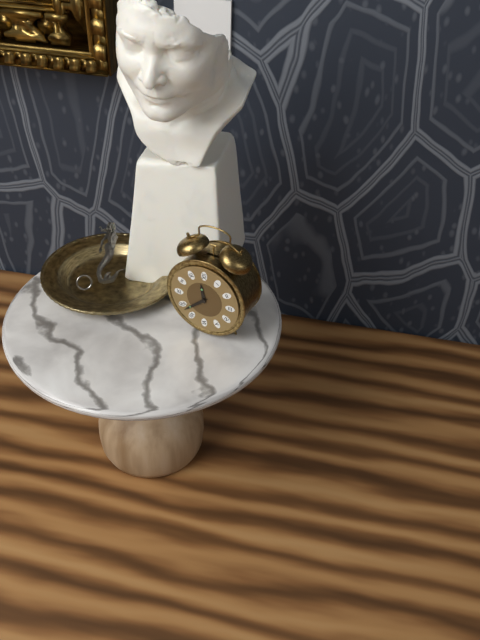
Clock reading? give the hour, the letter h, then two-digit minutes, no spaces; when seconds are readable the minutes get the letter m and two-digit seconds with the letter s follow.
11h38
